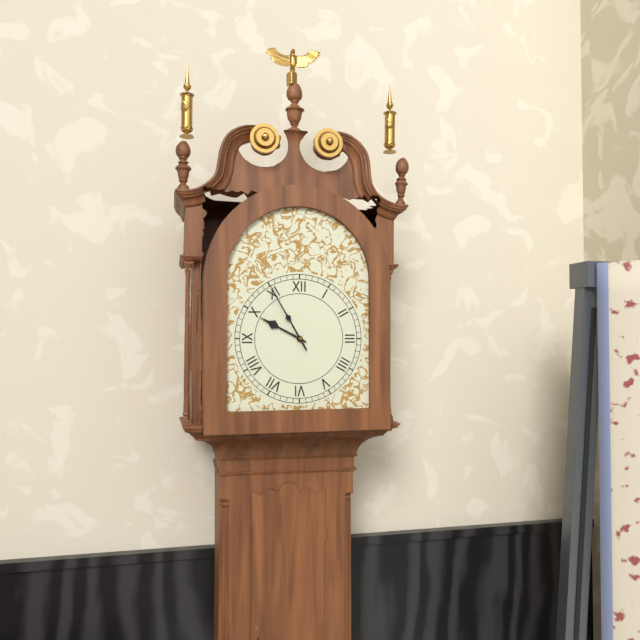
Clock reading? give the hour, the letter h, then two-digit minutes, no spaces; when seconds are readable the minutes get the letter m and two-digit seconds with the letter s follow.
9h55
